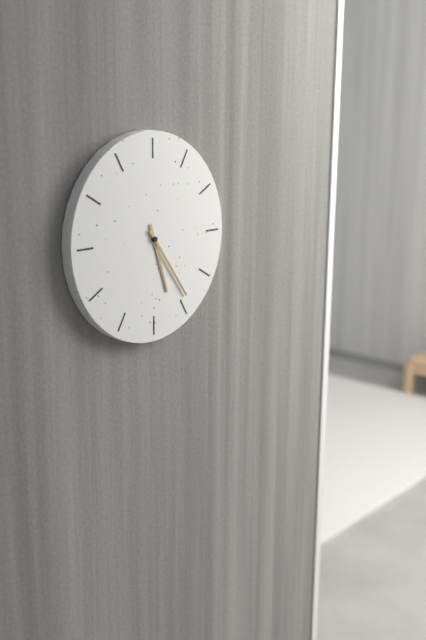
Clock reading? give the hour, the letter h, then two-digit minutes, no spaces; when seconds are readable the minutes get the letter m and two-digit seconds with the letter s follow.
5h24
